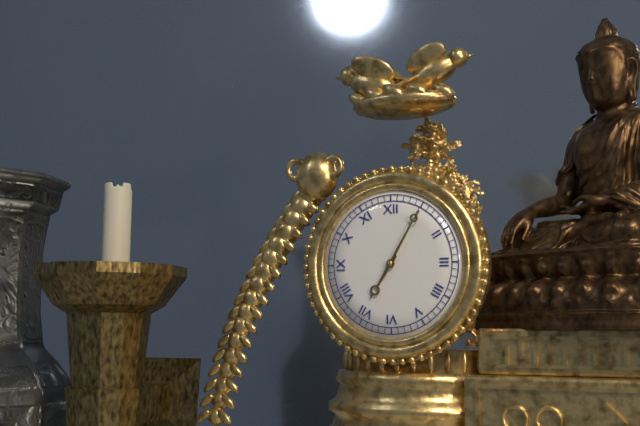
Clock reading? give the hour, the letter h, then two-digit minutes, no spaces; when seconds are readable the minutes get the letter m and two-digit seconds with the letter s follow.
7h05
